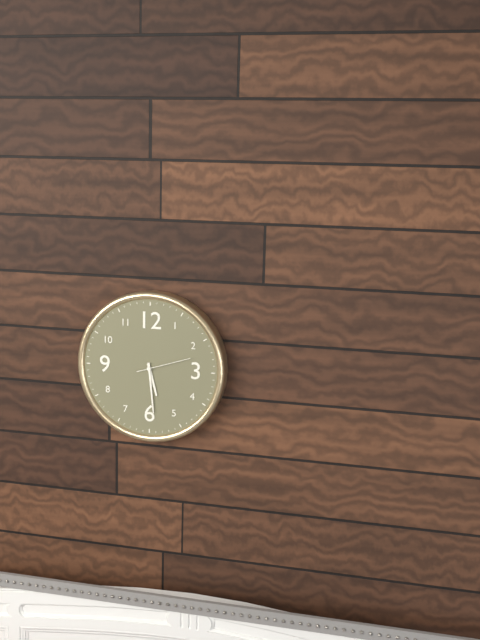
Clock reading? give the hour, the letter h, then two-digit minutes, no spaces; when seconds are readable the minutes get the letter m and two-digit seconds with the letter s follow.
5h29m12s
